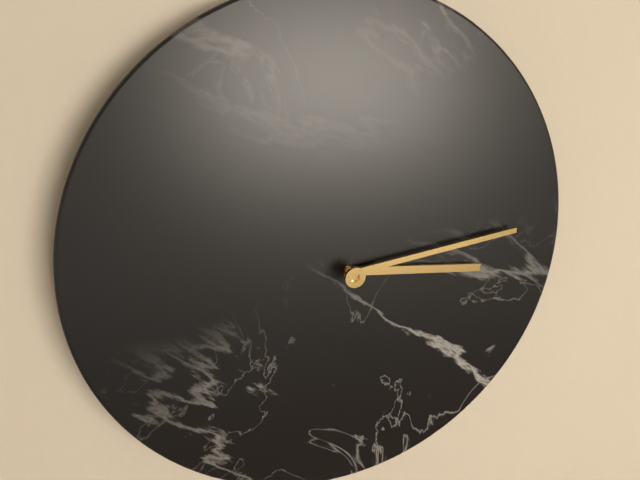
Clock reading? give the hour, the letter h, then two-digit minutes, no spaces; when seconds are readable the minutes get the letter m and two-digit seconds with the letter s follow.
3h14
